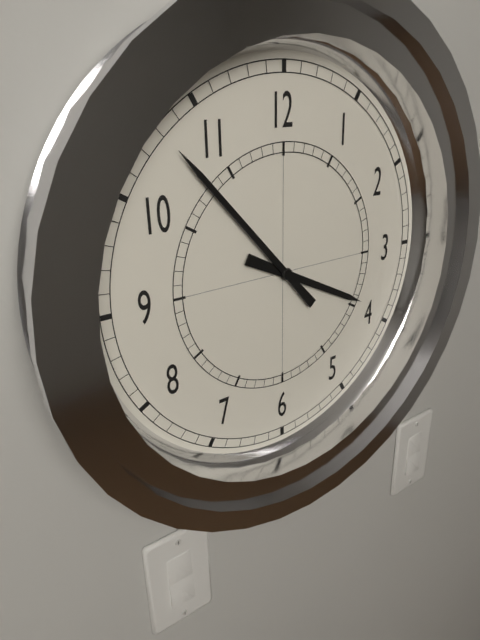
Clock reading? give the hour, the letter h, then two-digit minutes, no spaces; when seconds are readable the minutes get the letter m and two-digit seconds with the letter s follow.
3h53
